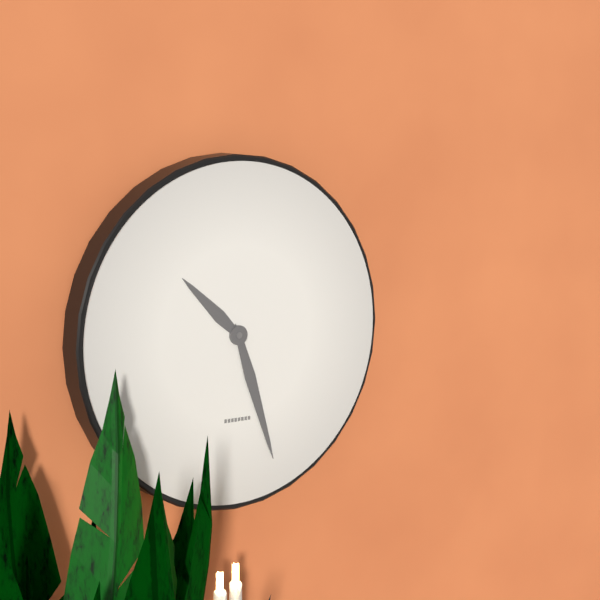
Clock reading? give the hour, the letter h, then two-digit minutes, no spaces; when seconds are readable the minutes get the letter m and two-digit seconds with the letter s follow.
10h27
